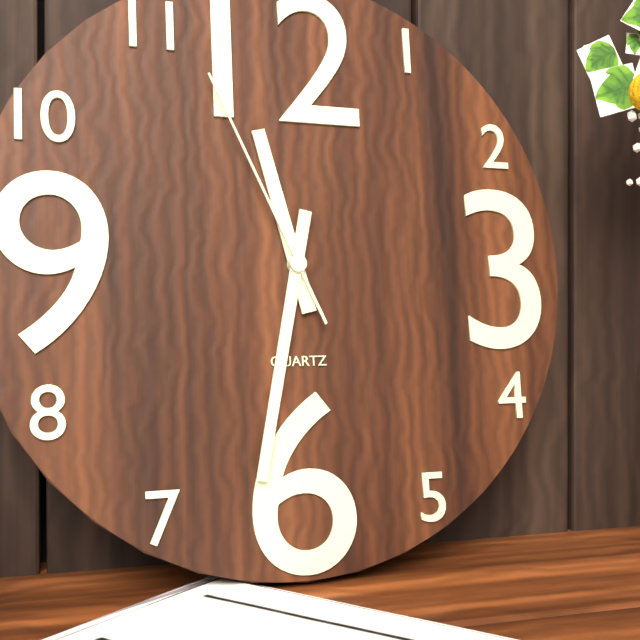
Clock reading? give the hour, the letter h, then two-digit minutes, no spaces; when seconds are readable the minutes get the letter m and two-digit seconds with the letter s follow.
11h32m56s
